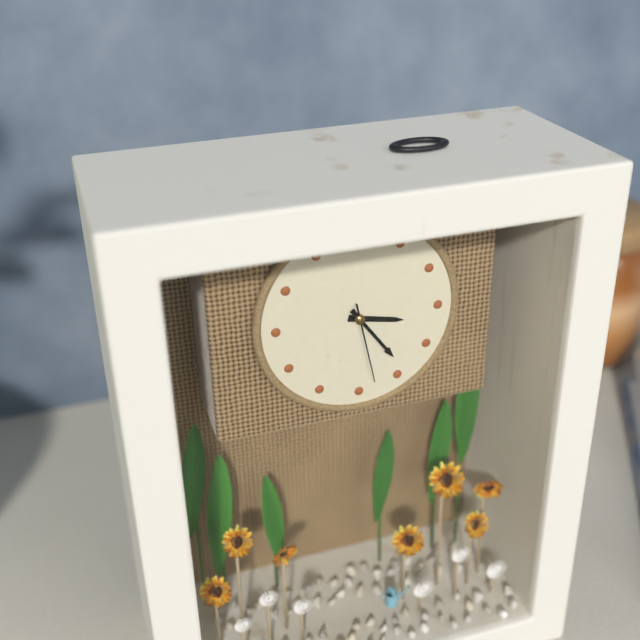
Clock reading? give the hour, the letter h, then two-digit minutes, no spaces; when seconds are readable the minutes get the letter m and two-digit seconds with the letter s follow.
3h24m28s
